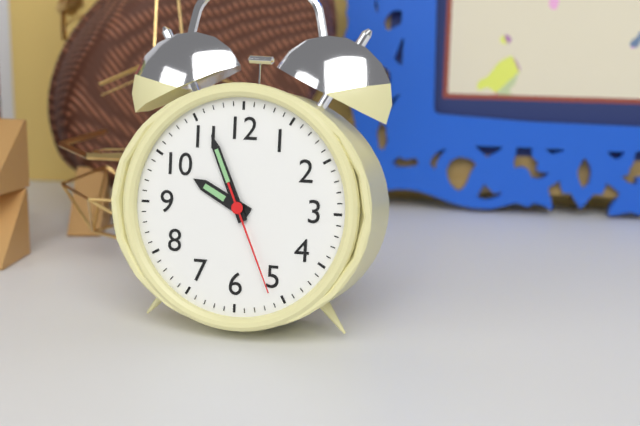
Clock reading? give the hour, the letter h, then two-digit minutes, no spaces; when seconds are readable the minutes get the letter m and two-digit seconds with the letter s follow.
9h56m26s
